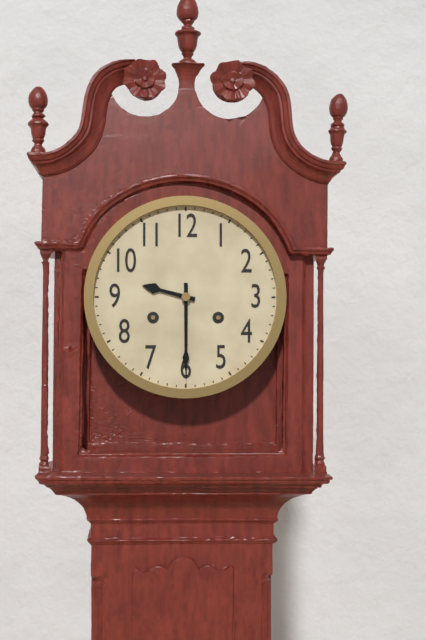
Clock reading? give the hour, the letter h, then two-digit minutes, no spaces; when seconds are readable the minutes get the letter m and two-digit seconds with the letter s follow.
9h30
